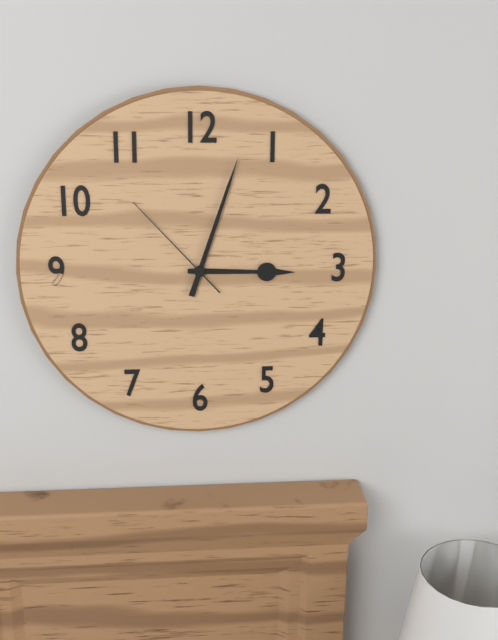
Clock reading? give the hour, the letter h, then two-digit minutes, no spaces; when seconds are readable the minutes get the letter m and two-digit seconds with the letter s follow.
3h03m53s
